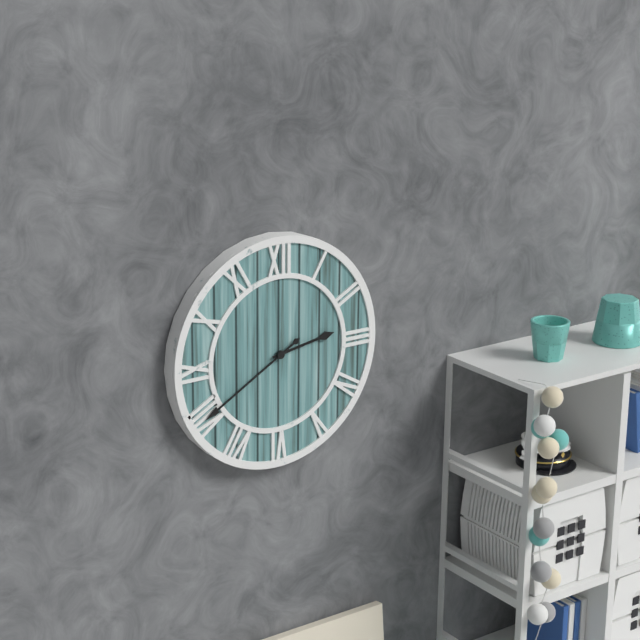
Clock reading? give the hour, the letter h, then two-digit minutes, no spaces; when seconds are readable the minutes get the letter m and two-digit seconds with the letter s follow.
2h40
